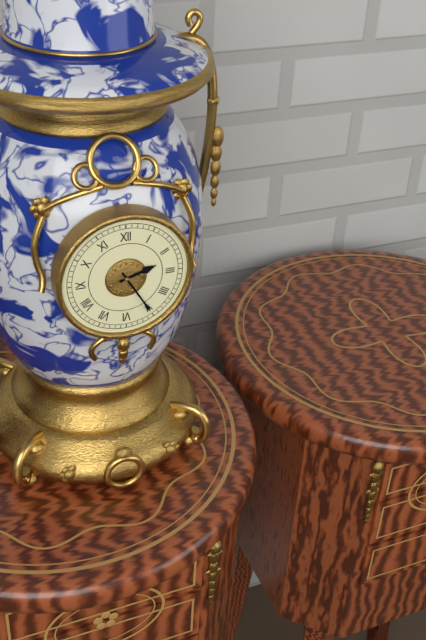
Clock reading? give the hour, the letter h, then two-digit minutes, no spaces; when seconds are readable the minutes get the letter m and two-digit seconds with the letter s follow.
2h25
